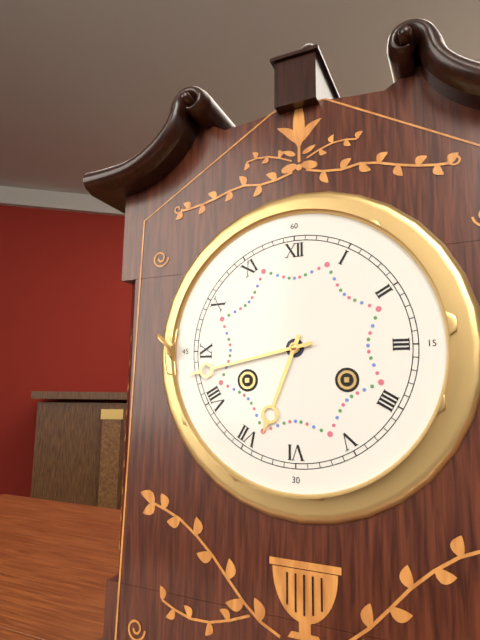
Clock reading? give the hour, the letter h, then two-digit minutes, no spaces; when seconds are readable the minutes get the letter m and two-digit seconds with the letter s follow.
6h43
